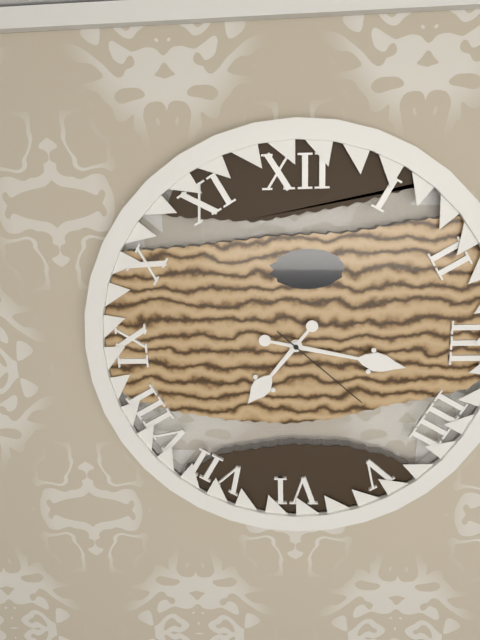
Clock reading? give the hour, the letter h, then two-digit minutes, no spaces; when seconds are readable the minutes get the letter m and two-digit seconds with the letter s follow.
7h17m22s
